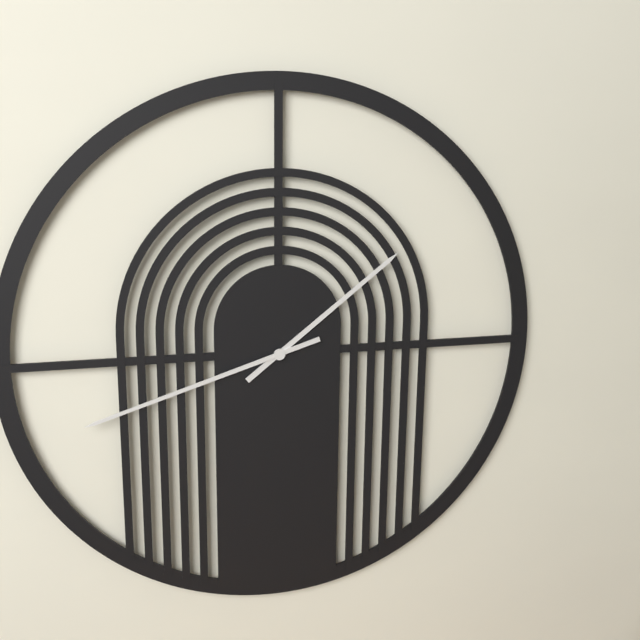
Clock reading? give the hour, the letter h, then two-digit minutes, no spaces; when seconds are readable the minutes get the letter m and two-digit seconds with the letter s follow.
1h42
